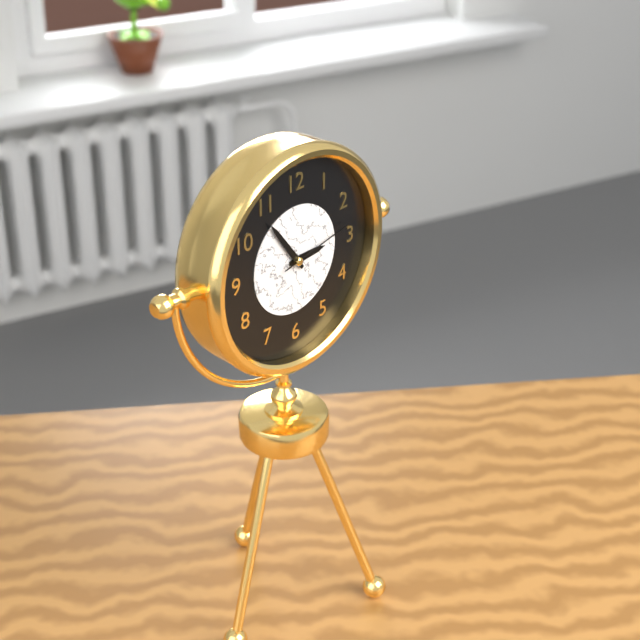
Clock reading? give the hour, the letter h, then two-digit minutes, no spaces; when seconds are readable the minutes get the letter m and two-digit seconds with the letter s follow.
2h54m13s
